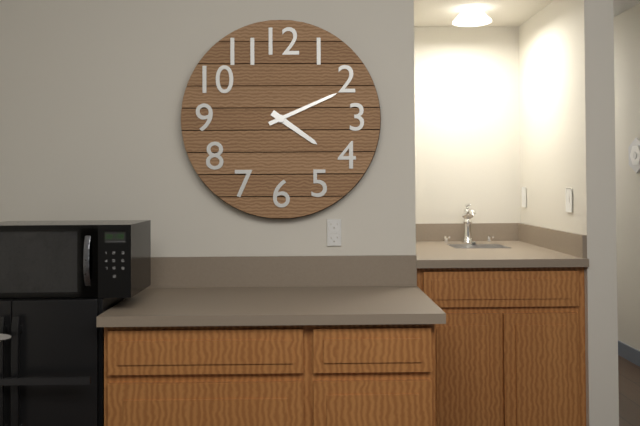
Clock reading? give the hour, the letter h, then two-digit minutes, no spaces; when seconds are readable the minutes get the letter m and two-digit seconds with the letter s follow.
4h11
